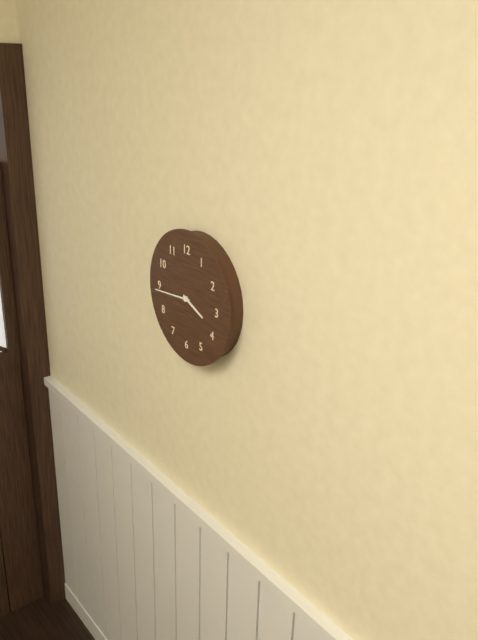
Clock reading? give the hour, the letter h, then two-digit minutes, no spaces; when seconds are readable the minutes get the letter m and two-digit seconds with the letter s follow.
3h44
